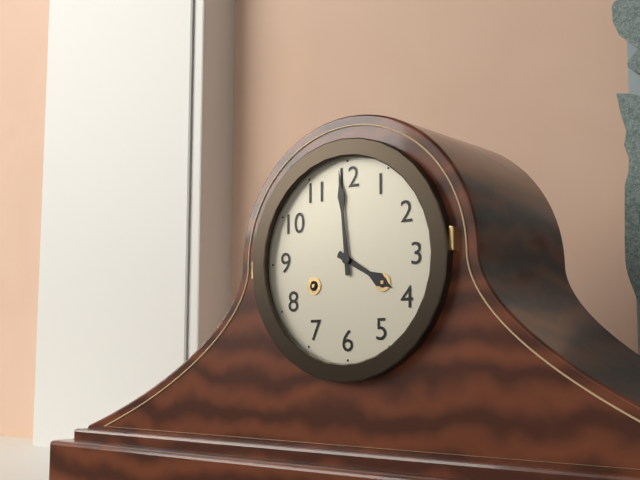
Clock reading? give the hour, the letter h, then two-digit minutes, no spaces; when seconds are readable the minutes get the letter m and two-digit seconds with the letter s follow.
3h59
